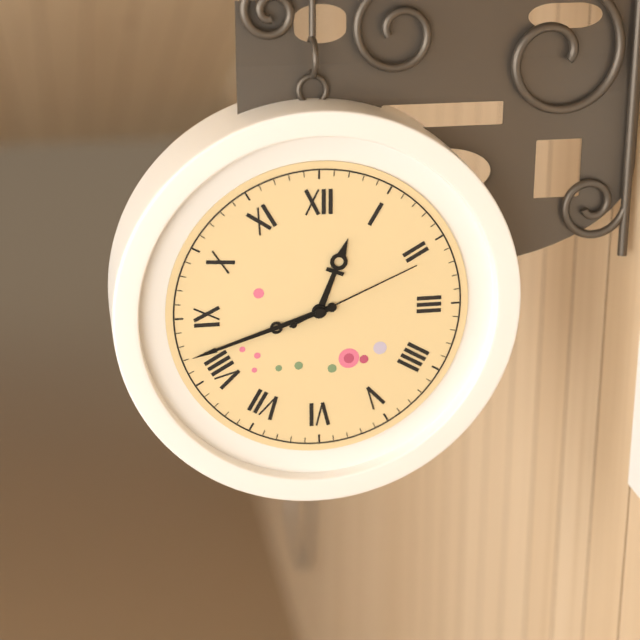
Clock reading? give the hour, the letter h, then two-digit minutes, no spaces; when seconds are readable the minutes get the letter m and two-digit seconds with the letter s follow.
12h42m11s
